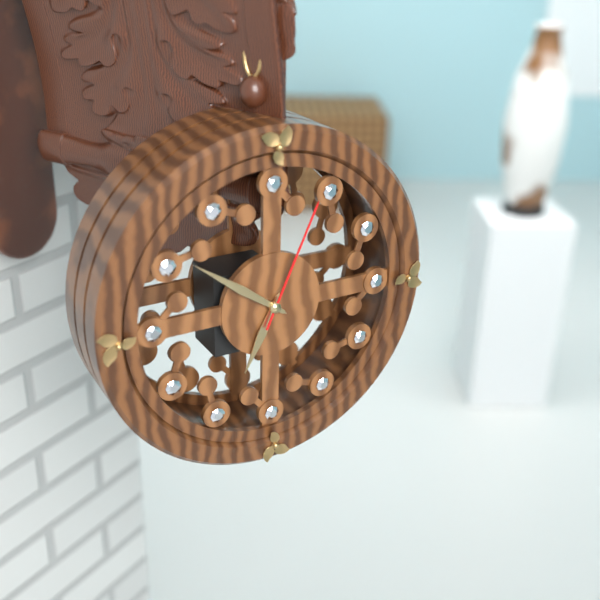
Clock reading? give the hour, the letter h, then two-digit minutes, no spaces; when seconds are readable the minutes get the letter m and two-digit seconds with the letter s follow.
6h51m04s
